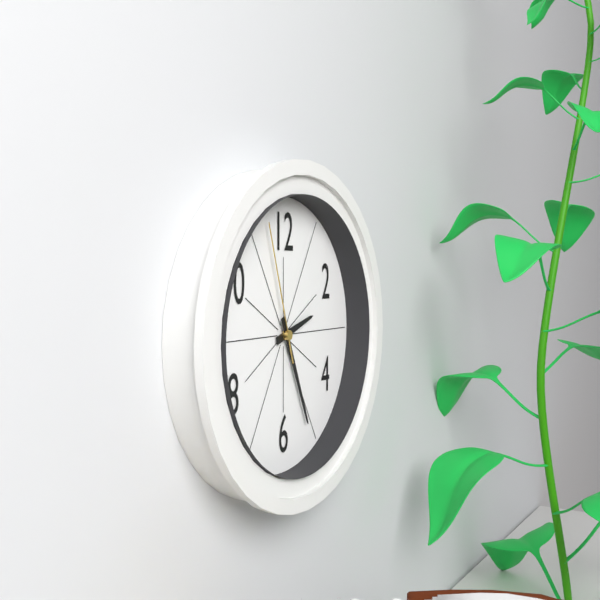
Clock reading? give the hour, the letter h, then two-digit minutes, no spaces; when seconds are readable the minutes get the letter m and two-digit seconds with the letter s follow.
2h26m57s
